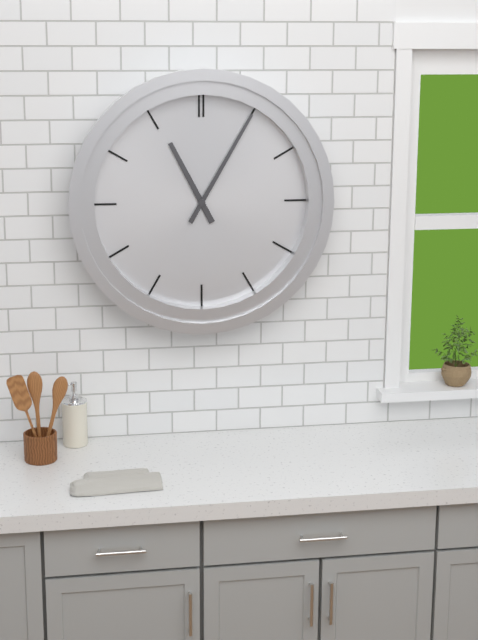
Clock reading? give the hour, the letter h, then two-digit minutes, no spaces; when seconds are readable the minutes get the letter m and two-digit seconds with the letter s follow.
11h05
